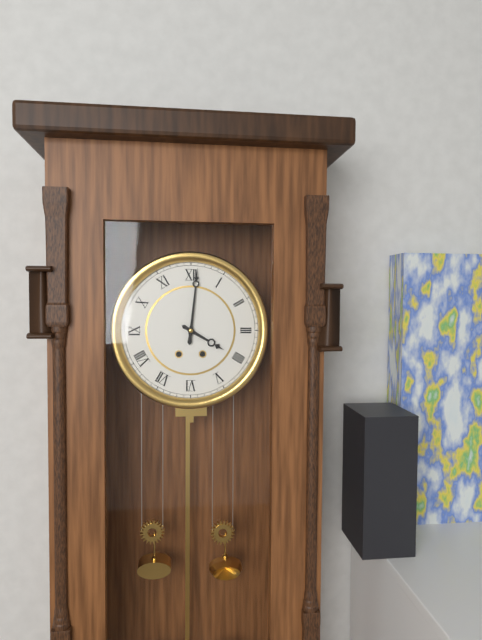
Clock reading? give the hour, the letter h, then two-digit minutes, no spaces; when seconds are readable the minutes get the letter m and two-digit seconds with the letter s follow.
4h01
